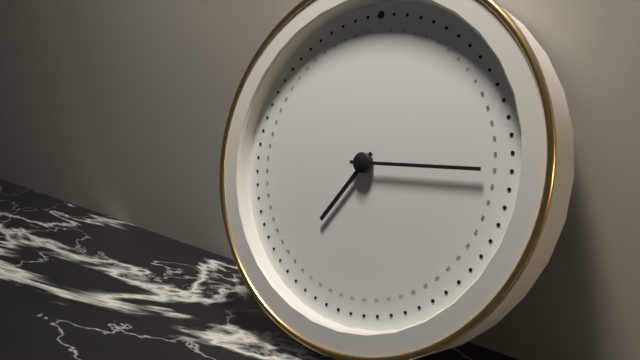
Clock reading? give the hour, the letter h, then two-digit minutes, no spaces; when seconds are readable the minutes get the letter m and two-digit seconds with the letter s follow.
7h15
